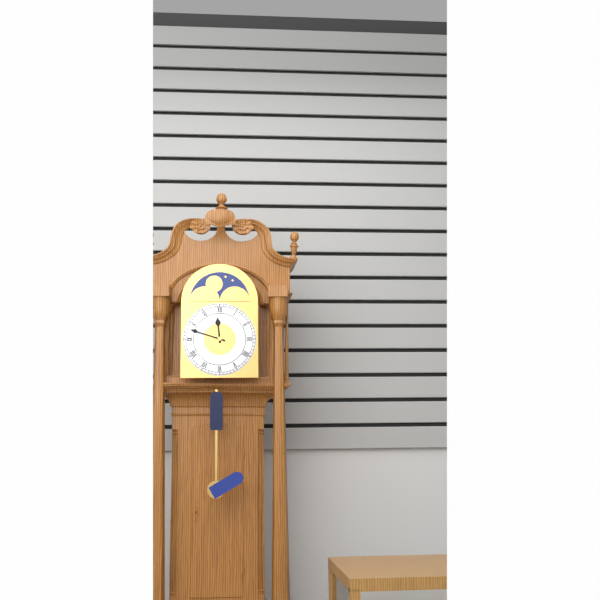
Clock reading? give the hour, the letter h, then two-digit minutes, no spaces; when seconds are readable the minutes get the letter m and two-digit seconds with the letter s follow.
11h48
